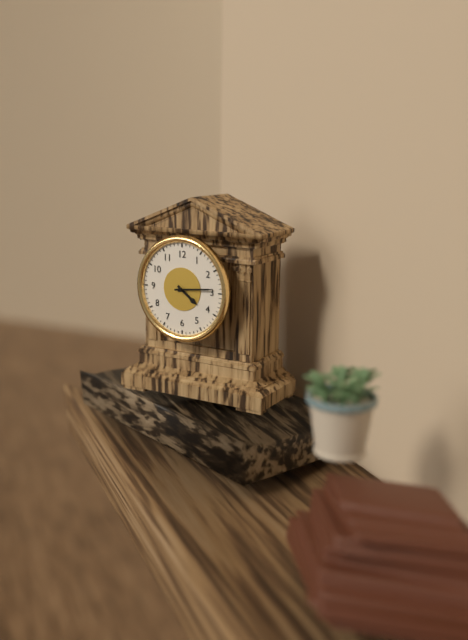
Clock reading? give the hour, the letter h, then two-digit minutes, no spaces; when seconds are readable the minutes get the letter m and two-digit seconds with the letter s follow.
4h14
